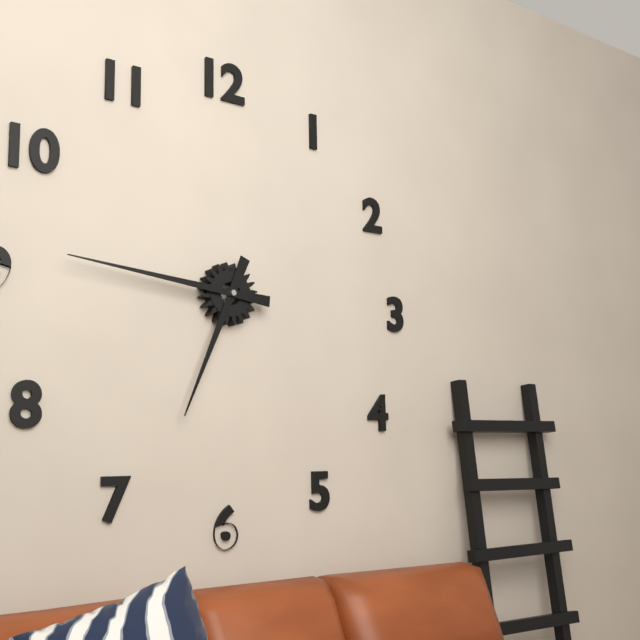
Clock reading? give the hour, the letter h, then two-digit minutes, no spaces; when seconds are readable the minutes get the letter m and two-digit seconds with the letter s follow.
6h46
